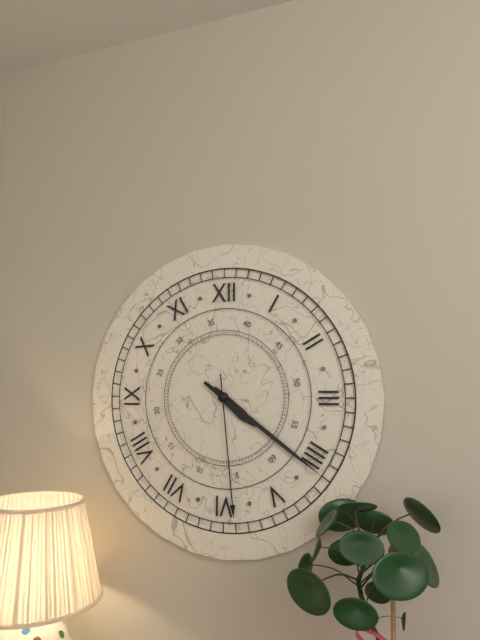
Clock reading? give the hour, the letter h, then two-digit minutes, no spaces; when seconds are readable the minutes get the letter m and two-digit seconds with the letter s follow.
4h21m29s
